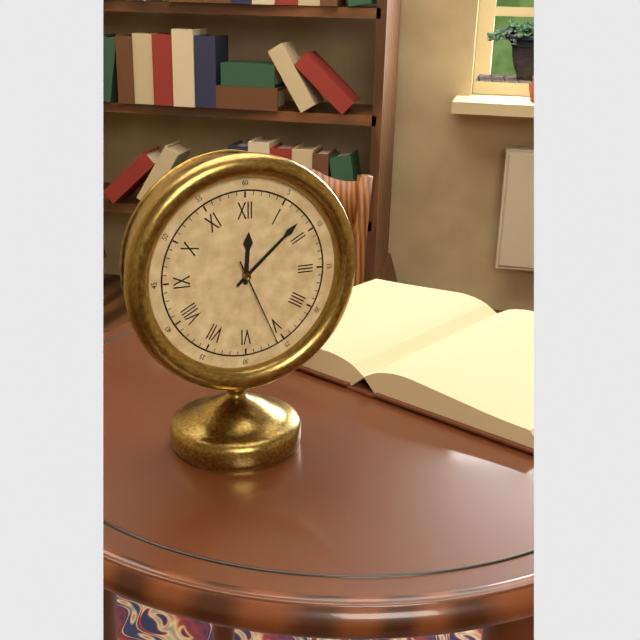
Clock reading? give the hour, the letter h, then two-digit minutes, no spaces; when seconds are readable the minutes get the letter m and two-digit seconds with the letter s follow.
12h08m26s
